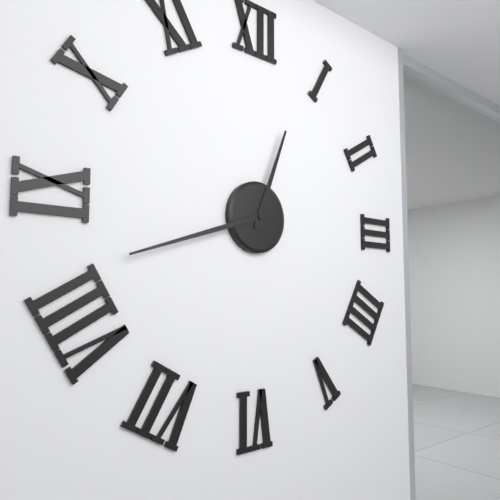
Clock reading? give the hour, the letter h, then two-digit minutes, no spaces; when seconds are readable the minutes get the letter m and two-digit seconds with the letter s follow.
12h42
